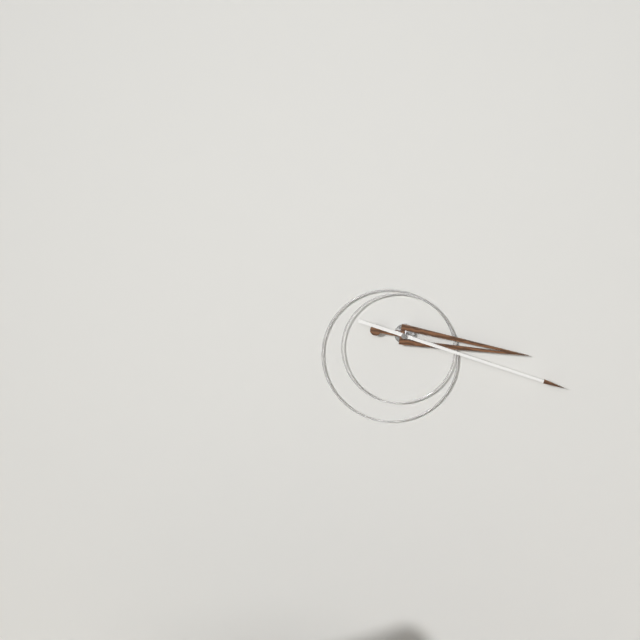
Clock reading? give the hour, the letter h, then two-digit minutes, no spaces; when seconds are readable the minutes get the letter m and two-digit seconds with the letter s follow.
3h18
